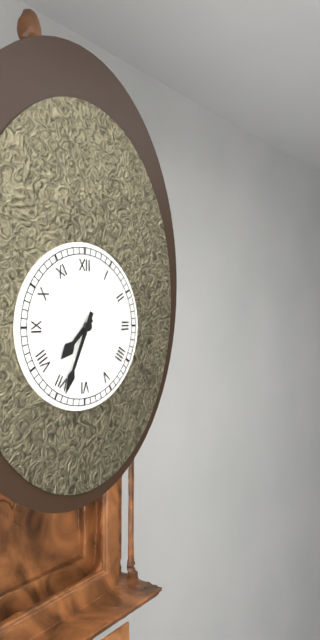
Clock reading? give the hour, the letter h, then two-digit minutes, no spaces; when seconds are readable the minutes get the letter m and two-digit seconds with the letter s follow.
7h34
